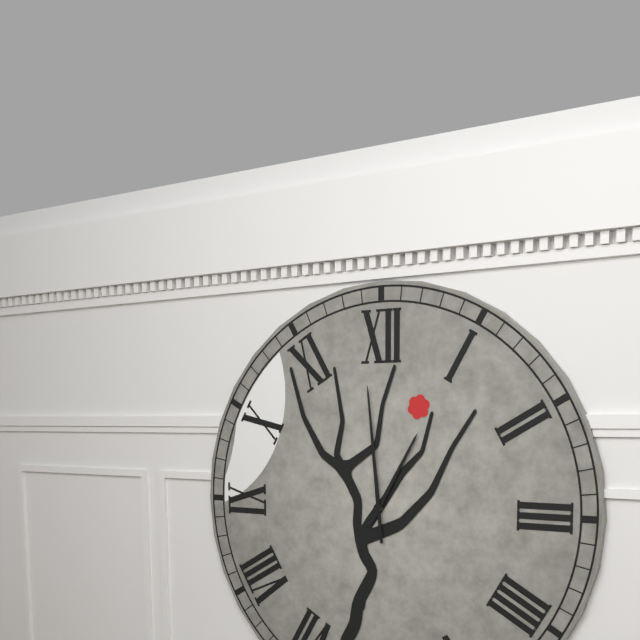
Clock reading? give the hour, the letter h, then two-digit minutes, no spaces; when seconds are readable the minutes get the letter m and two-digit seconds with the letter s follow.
12h59
